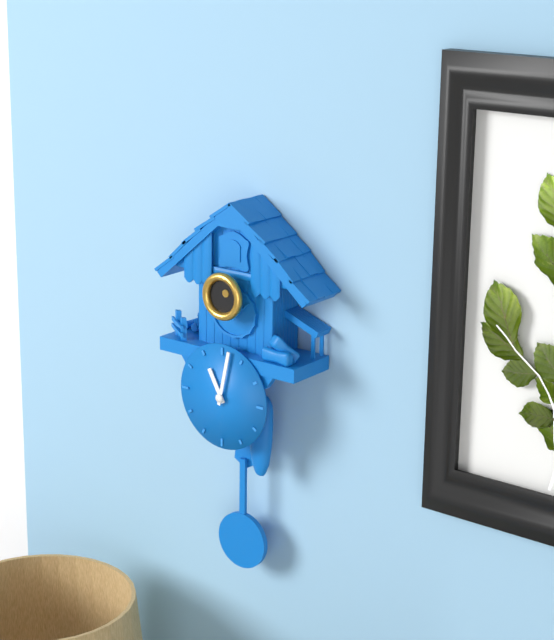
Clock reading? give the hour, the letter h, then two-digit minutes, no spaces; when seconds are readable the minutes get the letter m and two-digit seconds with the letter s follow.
11h02
